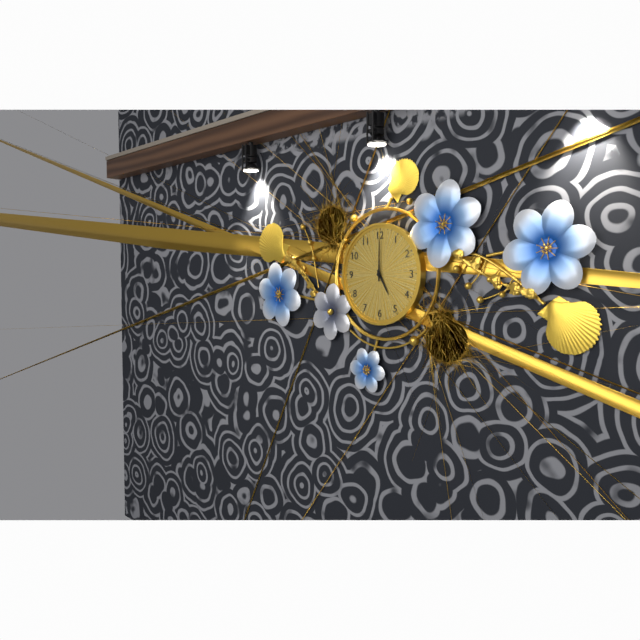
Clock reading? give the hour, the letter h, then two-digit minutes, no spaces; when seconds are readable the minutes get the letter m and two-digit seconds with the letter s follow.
5h00
